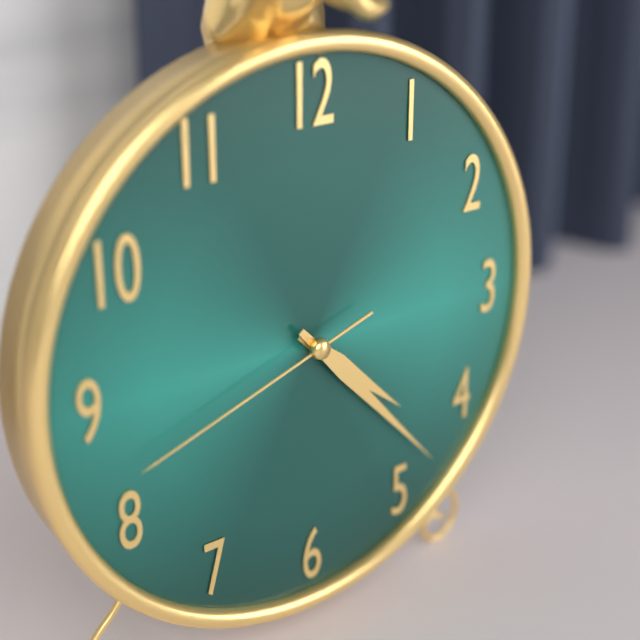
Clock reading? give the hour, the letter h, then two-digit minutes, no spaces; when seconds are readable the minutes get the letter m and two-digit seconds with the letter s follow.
4h23m42s
